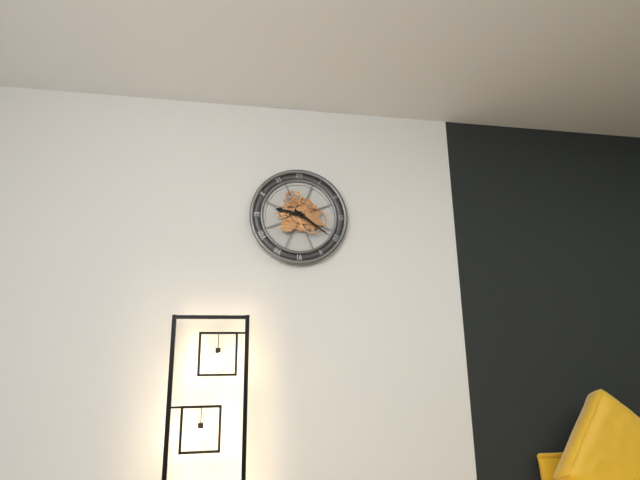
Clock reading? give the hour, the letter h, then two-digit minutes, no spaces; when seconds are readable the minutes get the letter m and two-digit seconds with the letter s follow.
9h21
